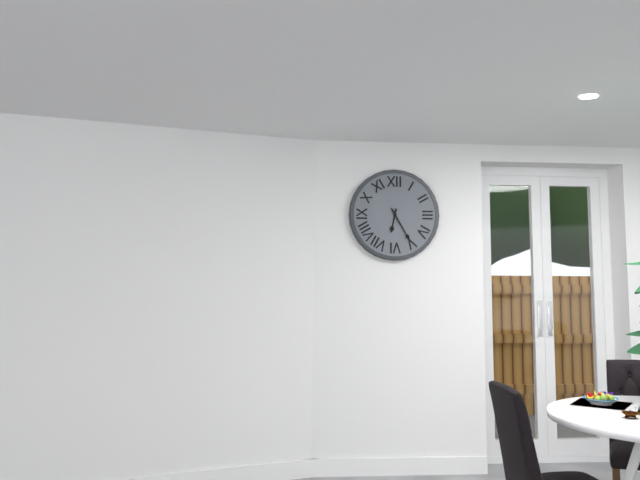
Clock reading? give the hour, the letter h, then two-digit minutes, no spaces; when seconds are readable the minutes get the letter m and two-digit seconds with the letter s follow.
6h25
